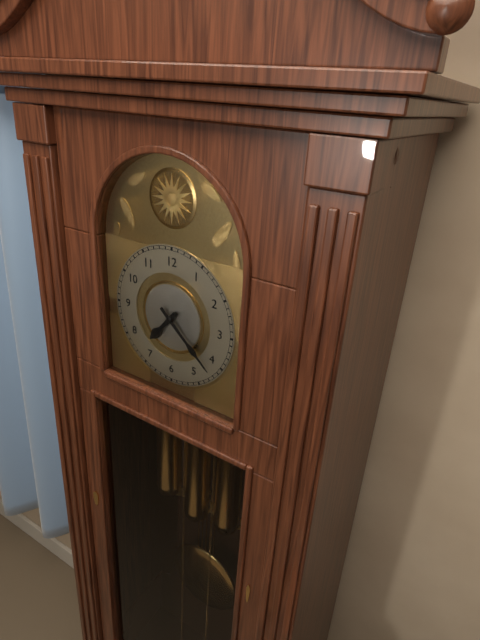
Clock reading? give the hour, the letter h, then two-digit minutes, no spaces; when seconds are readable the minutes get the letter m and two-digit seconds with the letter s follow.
7h22
